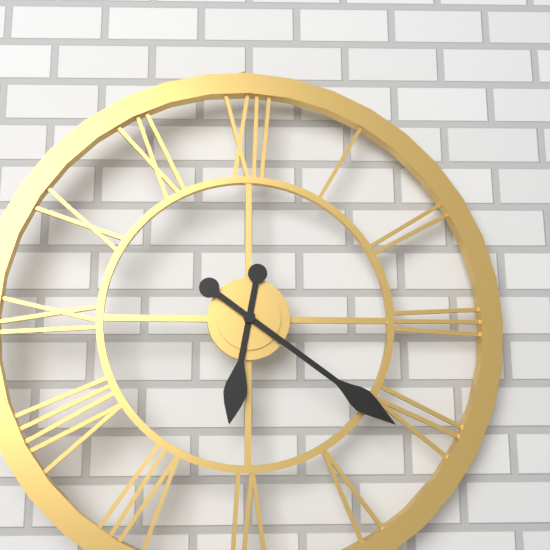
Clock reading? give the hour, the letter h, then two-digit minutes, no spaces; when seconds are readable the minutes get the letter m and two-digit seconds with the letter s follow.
6h21
